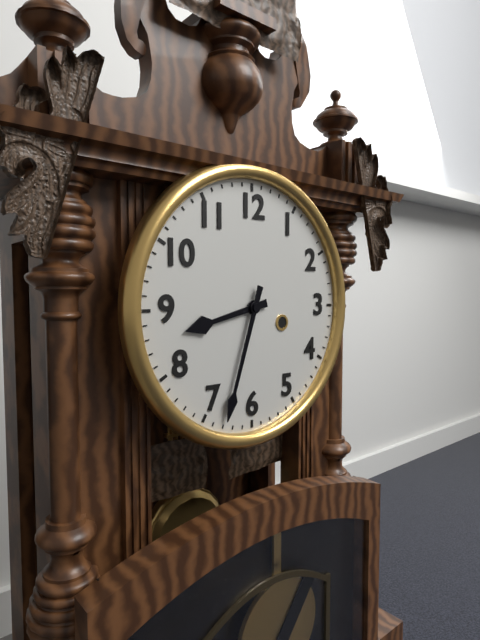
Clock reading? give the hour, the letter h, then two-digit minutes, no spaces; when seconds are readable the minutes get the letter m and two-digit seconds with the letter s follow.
8h33
